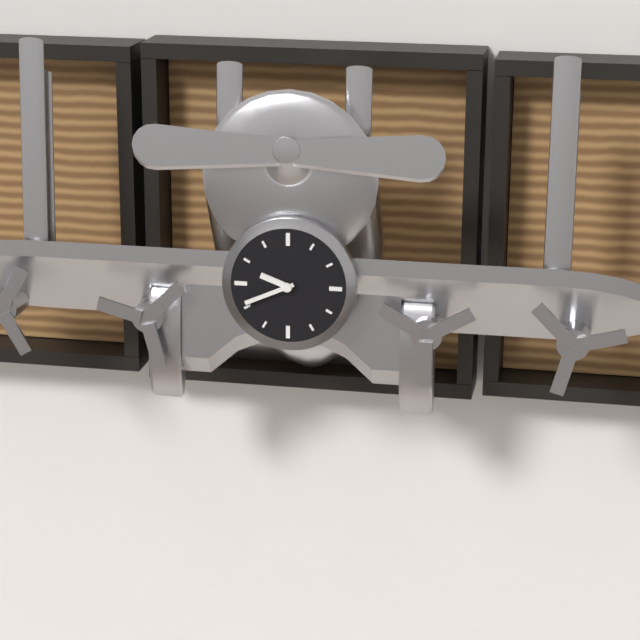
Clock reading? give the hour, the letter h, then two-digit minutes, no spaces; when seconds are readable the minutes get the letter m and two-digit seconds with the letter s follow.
9h41
